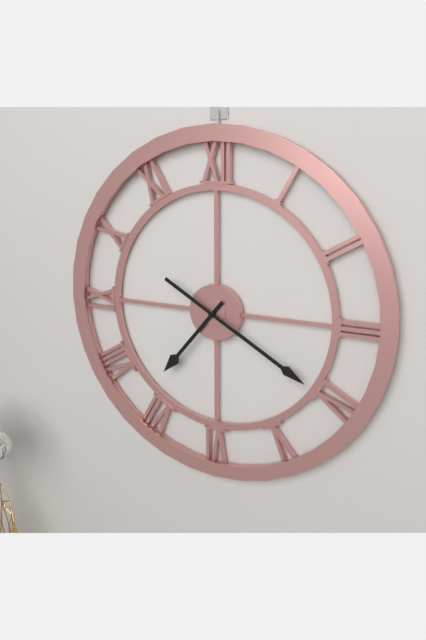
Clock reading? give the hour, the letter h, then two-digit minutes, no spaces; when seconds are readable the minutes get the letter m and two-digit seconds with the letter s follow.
7h20
